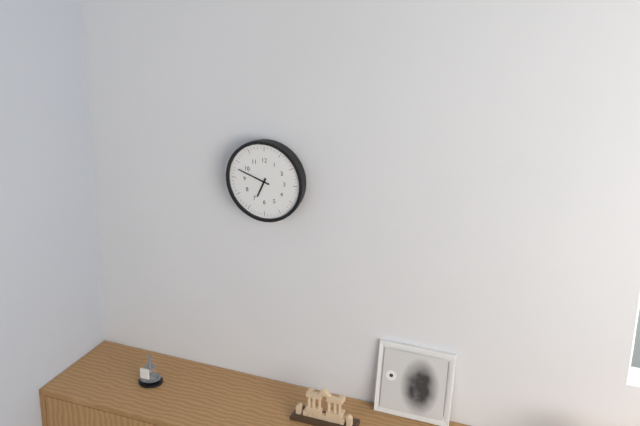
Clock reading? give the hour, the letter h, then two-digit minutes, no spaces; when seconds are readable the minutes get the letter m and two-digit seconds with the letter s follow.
6h48
